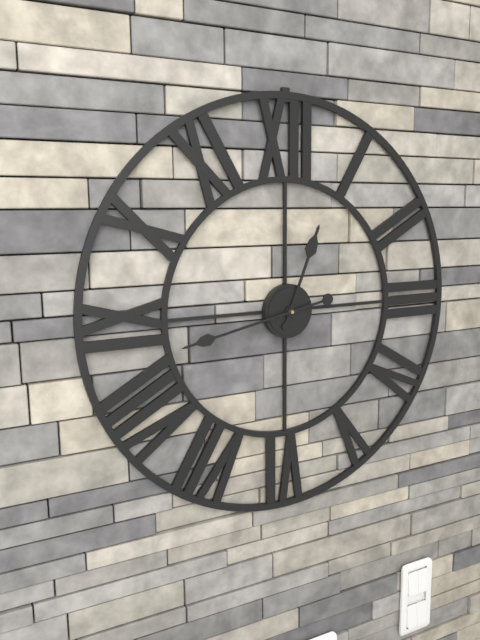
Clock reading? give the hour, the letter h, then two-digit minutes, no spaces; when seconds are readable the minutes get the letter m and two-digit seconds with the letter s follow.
12h43
